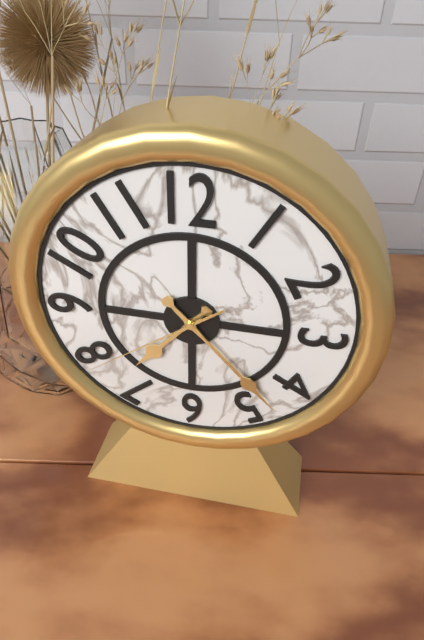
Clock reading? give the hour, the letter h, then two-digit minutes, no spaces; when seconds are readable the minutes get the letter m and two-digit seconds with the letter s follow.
7h23m39s
